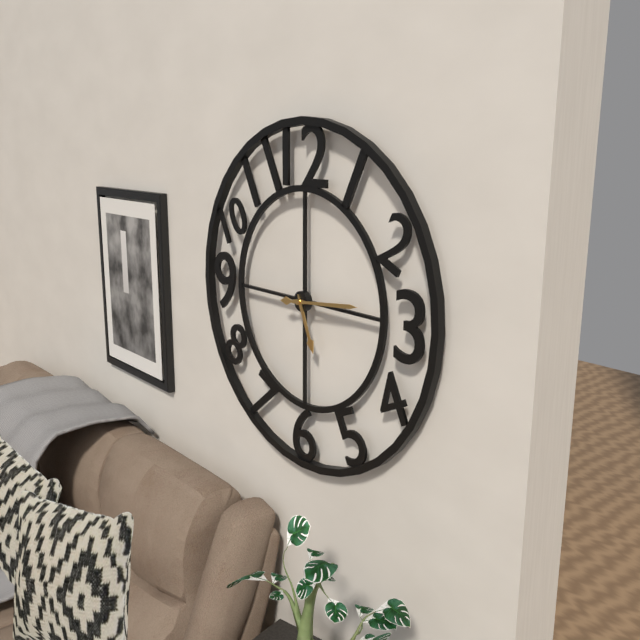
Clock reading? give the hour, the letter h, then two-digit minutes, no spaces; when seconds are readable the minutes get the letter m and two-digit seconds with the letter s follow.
5h14
